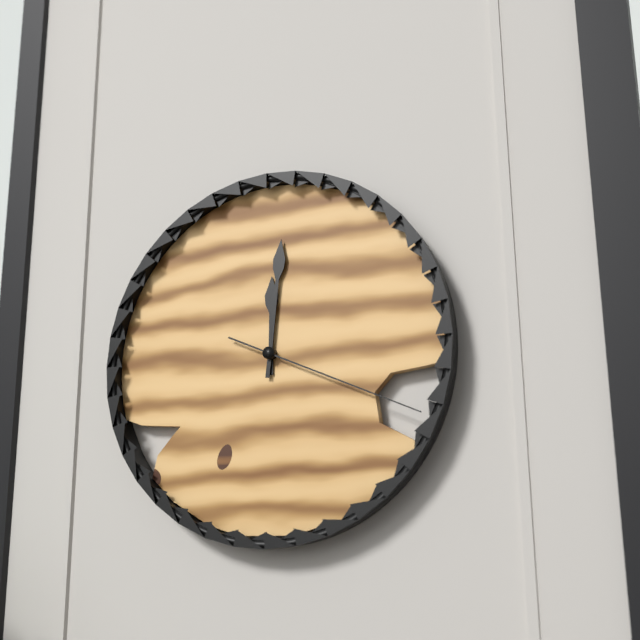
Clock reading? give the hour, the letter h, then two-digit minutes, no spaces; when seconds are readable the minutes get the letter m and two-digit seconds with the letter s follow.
12h01m19s
